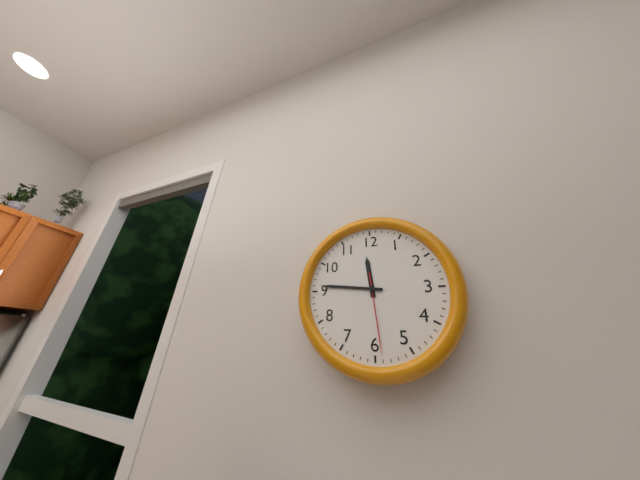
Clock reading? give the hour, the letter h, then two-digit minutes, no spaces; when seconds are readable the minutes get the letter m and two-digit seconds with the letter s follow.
11h46m29s
